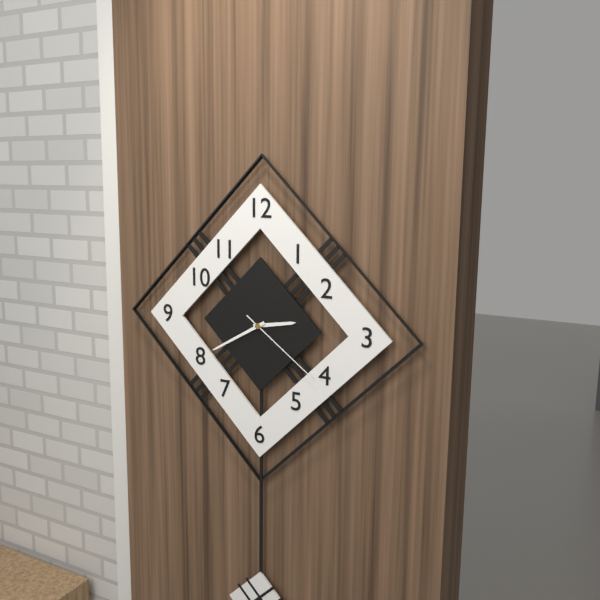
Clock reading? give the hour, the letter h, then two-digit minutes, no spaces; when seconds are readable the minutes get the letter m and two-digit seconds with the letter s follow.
2h40m21s
